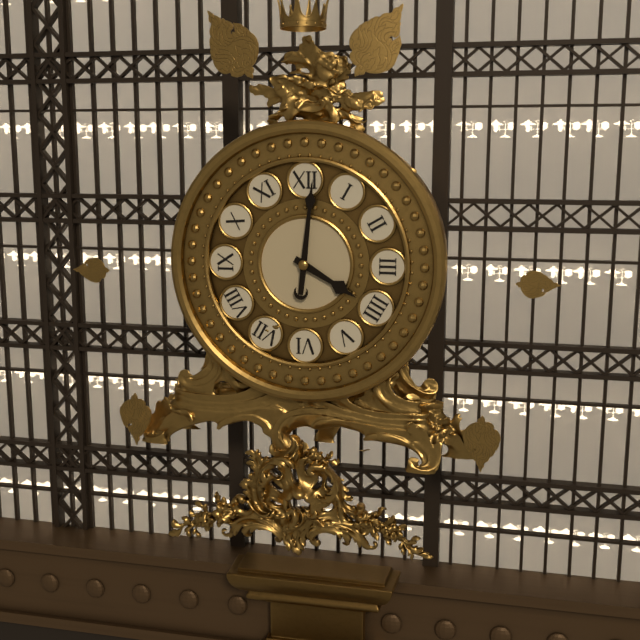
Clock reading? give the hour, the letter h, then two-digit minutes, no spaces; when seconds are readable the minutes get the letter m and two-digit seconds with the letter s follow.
4h01
